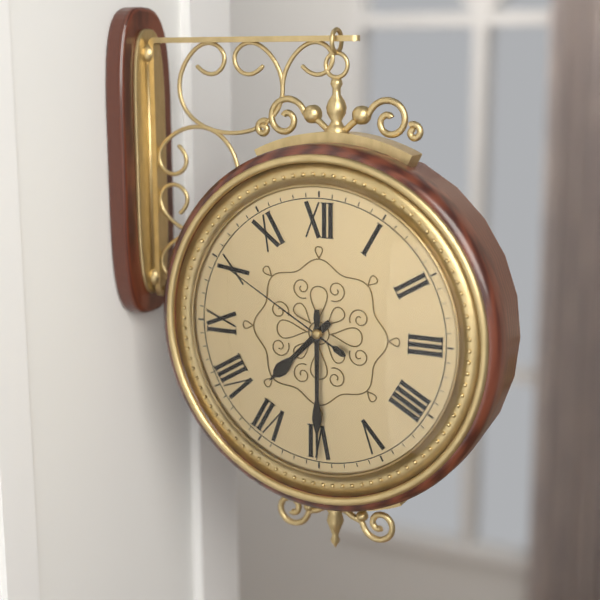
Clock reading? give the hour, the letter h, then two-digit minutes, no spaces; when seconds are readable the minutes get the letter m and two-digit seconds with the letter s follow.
7h30m50s
